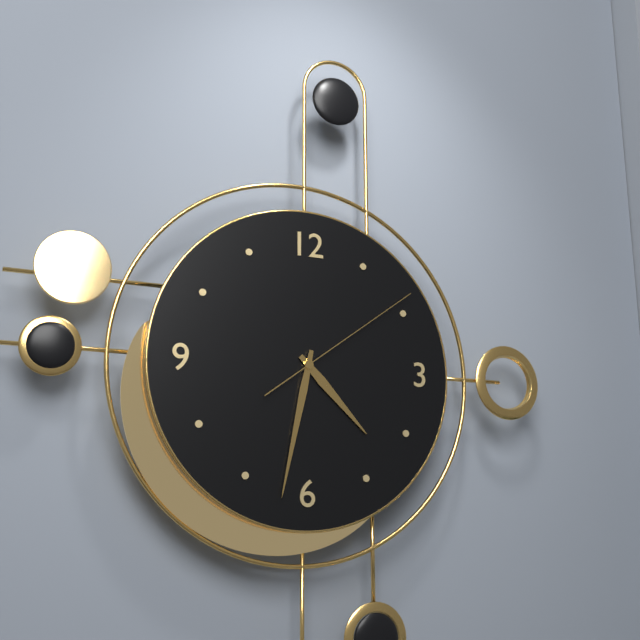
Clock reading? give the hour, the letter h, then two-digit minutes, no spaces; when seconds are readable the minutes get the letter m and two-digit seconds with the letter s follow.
4h32m09s
